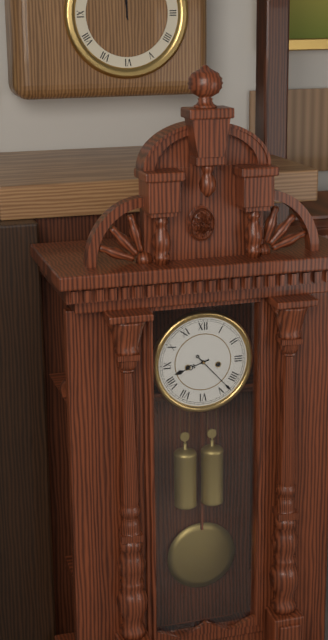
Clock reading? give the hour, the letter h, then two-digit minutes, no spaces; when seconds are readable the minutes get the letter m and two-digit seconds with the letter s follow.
8h23
